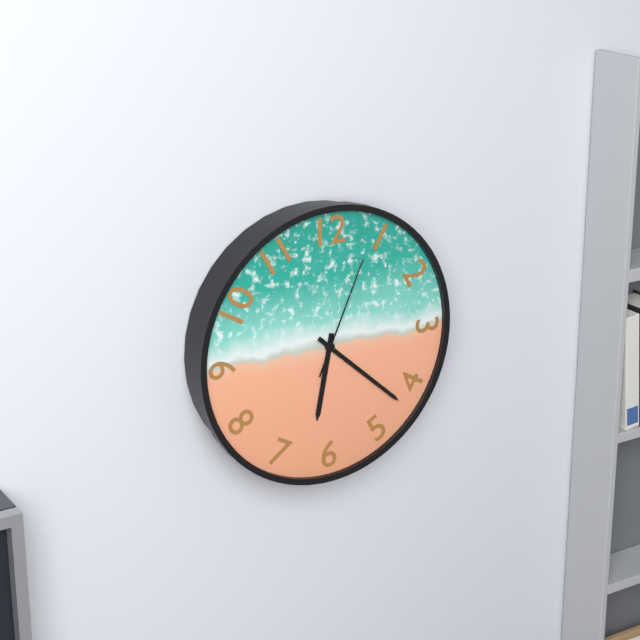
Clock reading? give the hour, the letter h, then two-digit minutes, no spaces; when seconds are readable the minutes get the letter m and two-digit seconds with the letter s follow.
6h22m04s
